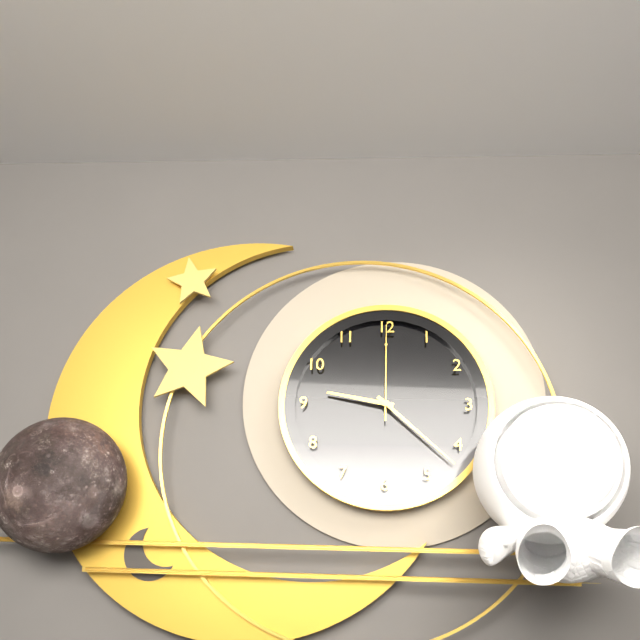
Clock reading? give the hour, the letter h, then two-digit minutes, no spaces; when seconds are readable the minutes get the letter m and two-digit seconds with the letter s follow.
9h22m00s
